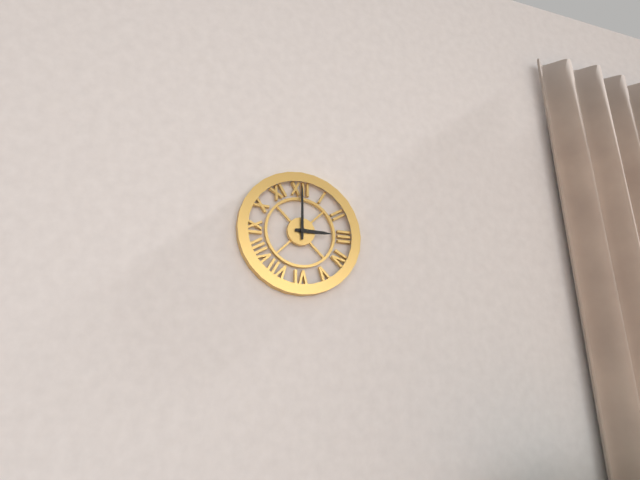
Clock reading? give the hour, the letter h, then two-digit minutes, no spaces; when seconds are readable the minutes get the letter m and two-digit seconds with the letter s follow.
3h00
